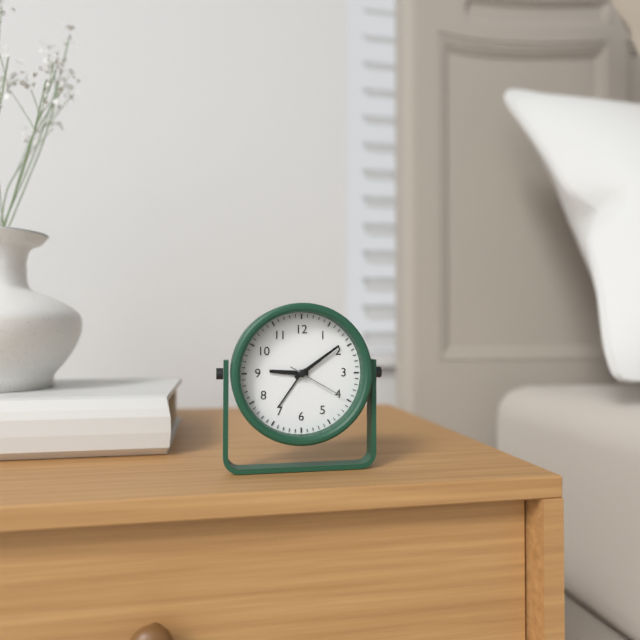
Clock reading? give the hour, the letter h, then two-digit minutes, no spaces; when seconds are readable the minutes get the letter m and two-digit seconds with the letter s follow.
9h09m20s
